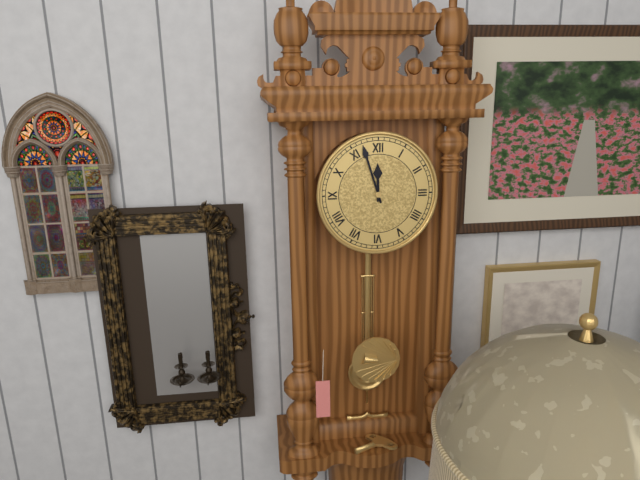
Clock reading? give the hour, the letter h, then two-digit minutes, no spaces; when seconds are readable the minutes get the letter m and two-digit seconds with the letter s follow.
11h57
